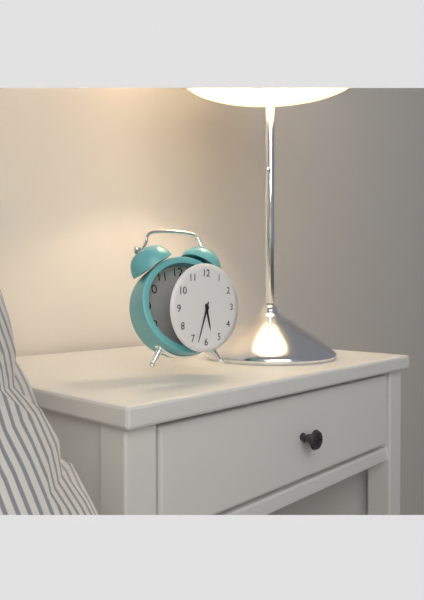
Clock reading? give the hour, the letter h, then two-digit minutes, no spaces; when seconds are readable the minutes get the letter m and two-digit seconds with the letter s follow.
5h33
